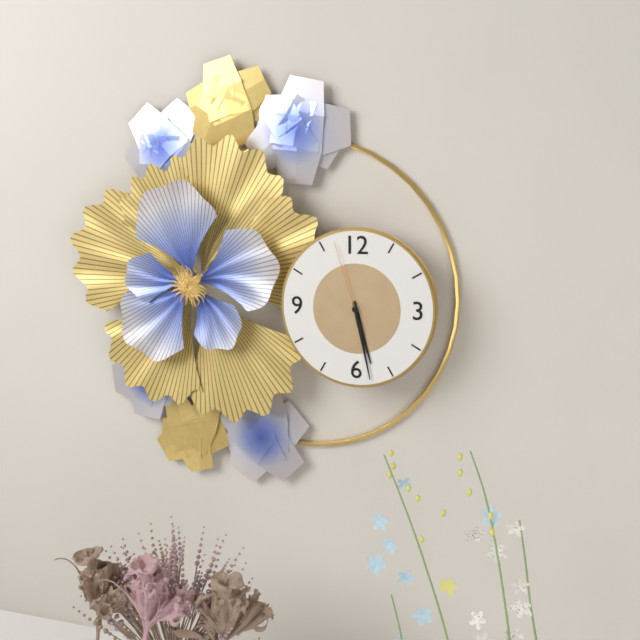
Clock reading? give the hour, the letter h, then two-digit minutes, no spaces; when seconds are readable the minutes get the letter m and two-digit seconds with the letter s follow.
5h28m57s
